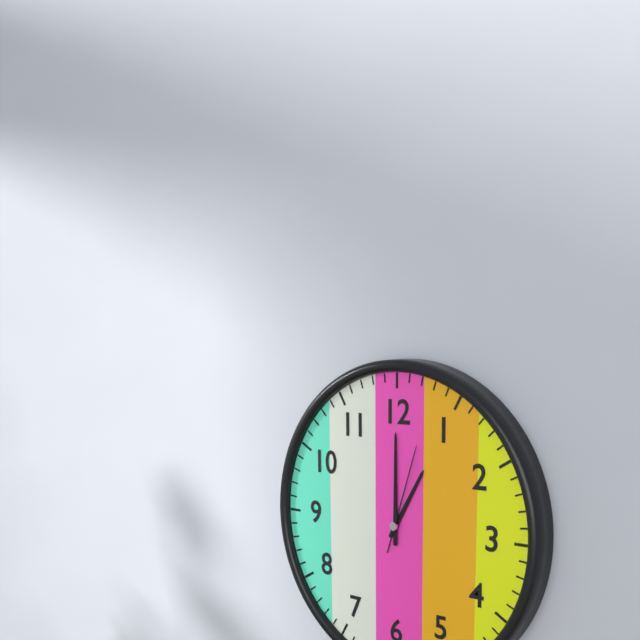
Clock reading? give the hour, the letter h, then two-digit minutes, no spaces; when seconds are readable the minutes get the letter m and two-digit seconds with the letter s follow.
1h00m03s
